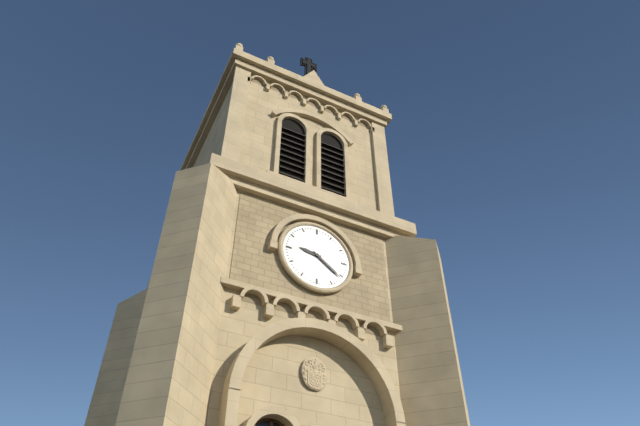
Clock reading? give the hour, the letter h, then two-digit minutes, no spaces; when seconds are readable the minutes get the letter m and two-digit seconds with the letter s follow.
9h21
